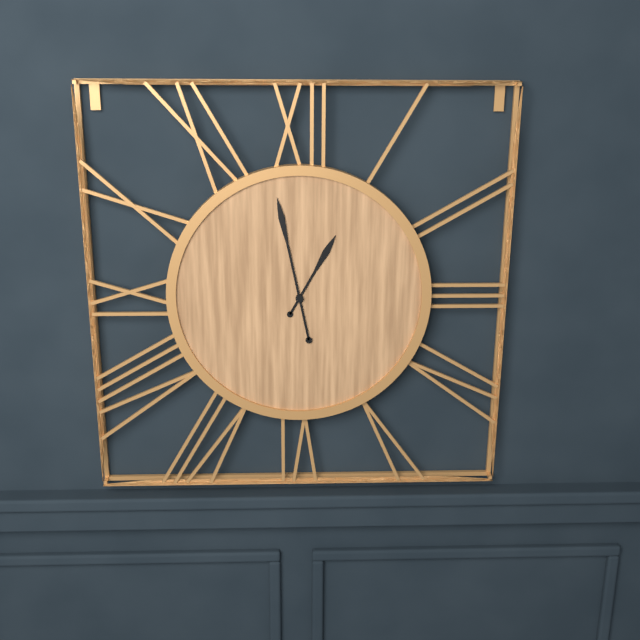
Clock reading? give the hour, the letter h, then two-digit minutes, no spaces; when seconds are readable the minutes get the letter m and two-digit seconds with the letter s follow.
12h58
